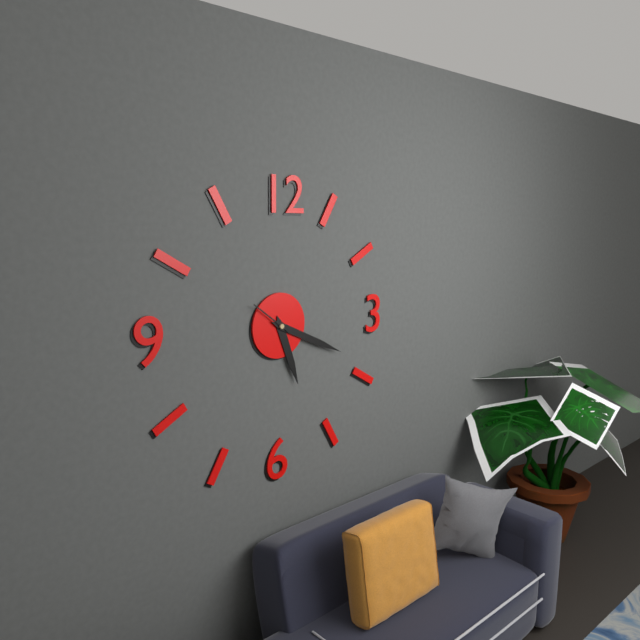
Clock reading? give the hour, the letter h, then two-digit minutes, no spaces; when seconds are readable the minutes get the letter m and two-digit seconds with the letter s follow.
5h19
